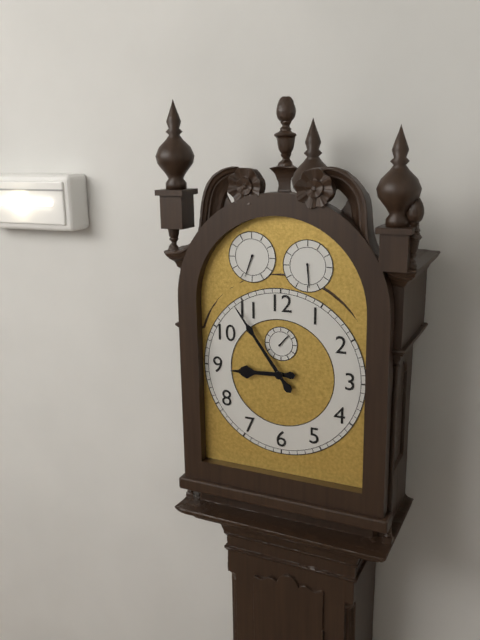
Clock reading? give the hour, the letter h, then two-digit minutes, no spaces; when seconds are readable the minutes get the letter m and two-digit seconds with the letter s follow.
8h54
